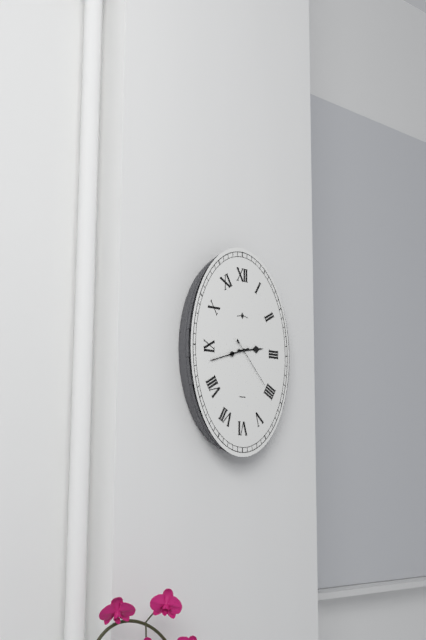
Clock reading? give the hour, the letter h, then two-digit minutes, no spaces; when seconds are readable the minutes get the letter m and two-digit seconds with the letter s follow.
2h42m23s
